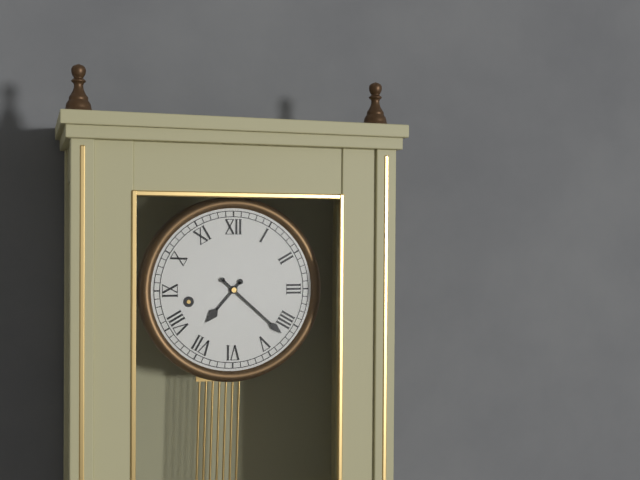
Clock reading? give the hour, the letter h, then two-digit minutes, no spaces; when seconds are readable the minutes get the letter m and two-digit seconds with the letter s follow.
7h22
